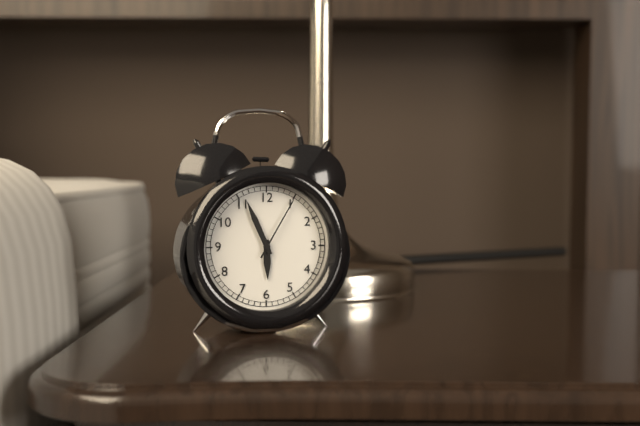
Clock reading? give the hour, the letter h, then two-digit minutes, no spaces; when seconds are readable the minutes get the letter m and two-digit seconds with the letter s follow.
5h56m05s
